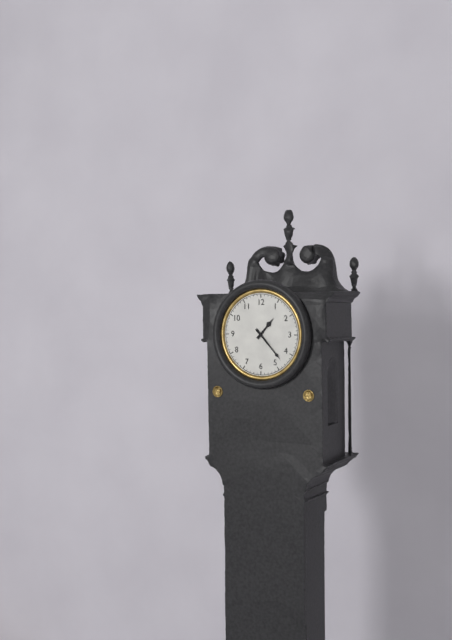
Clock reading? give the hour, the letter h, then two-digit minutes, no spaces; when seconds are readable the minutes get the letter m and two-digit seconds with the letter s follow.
1h23
